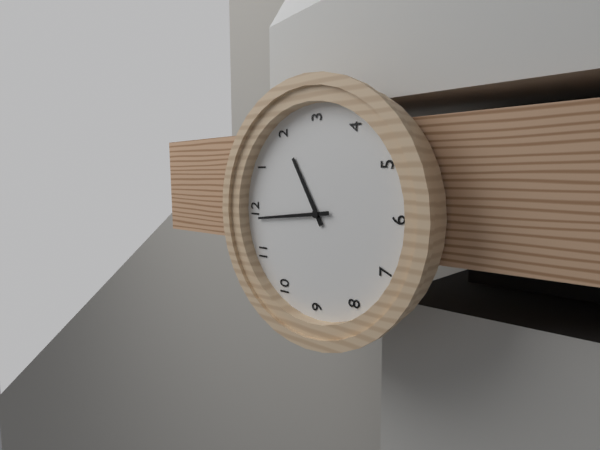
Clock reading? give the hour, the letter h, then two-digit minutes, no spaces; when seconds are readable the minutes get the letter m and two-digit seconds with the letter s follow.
1h59
